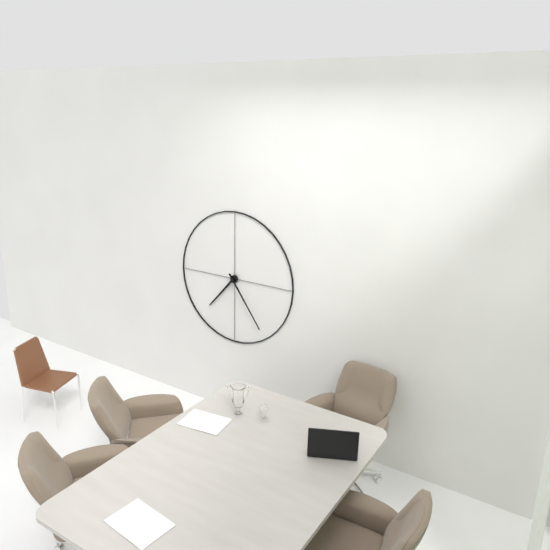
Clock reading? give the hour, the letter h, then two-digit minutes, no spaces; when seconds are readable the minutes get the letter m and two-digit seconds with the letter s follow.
7h24
